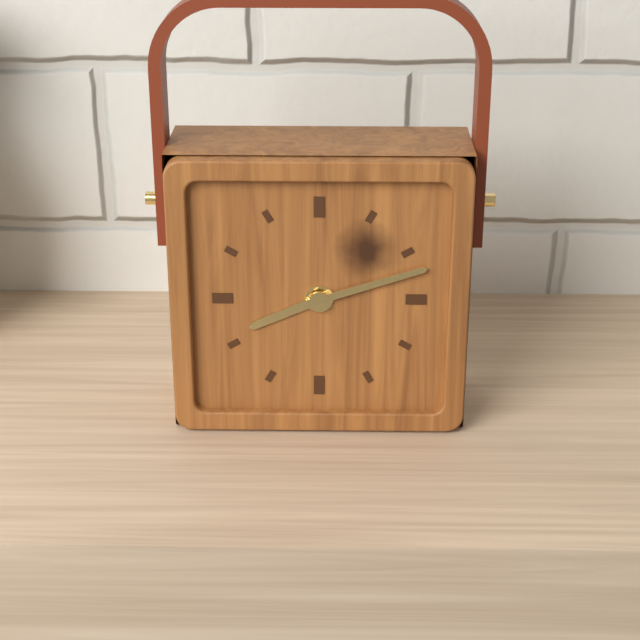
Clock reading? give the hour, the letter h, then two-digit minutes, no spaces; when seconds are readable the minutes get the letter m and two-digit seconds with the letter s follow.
8h12
